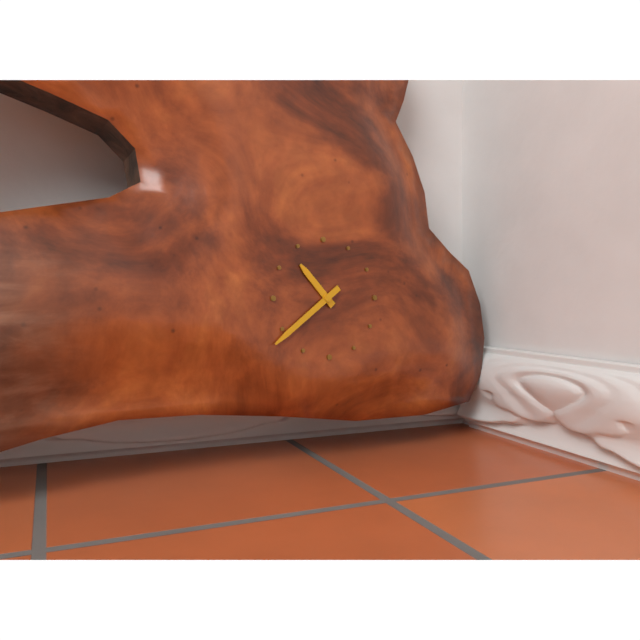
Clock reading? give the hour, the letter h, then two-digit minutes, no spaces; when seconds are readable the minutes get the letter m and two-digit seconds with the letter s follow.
10h39
